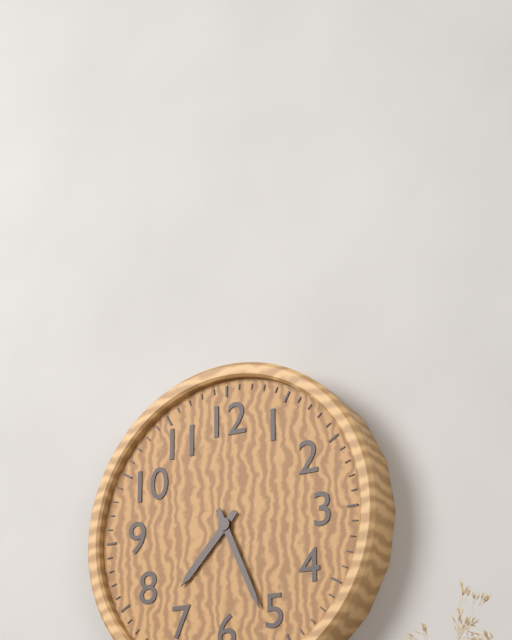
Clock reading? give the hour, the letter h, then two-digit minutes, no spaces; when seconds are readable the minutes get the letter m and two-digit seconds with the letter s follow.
7h26
